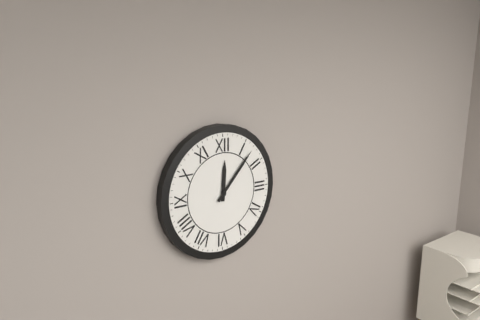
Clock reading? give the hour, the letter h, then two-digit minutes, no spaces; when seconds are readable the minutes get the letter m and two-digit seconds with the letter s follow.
12h07
